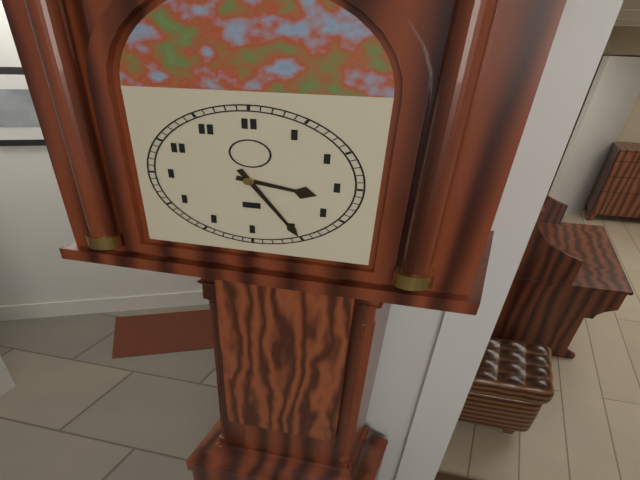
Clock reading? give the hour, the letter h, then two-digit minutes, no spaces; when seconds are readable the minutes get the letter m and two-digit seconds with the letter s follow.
3h25
